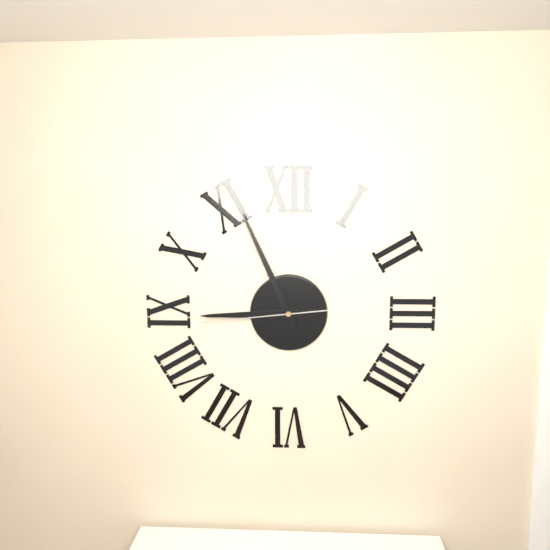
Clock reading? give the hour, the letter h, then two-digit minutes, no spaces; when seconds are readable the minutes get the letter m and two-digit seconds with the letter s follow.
8h56m44s
